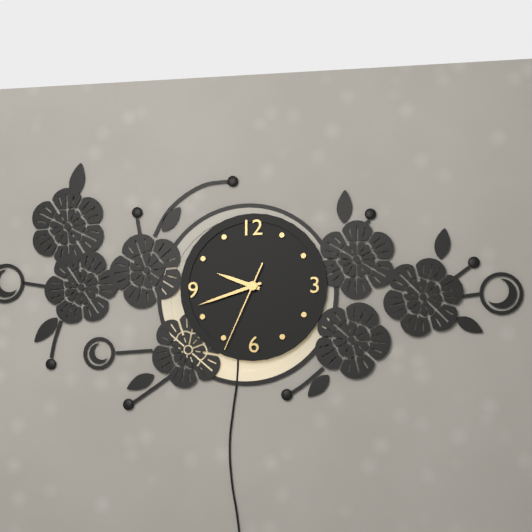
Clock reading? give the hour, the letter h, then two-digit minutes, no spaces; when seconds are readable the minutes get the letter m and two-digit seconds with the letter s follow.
9h42m34s
